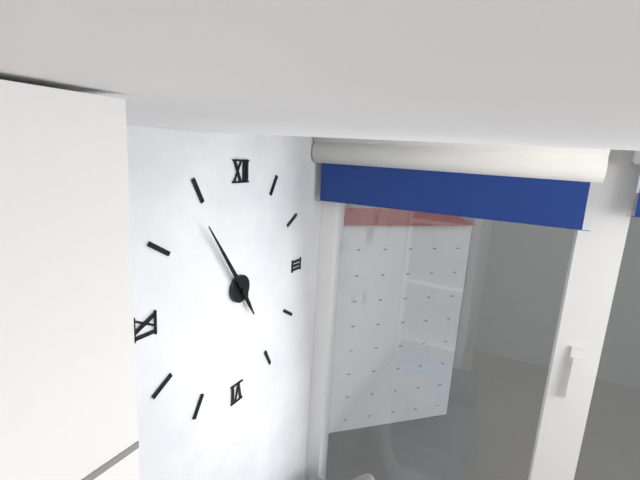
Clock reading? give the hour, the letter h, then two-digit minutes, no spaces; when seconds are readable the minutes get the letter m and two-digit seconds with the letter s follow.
4h54
